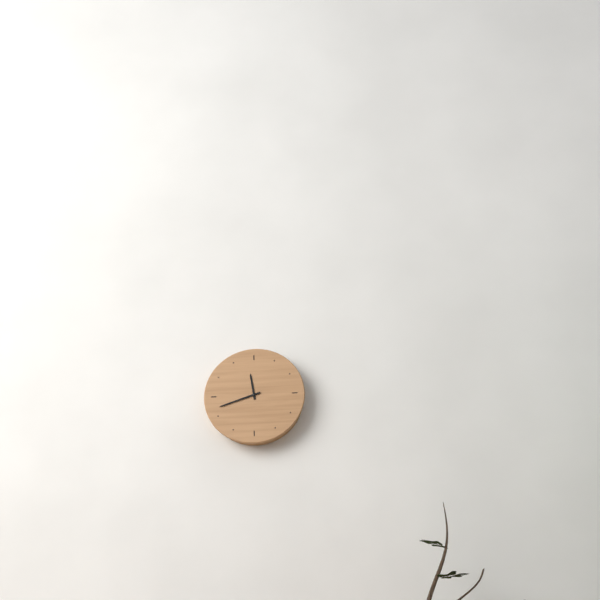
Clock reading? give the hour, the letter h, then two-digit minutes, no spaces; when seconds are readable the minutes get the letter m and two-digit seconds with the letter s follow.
11h42
